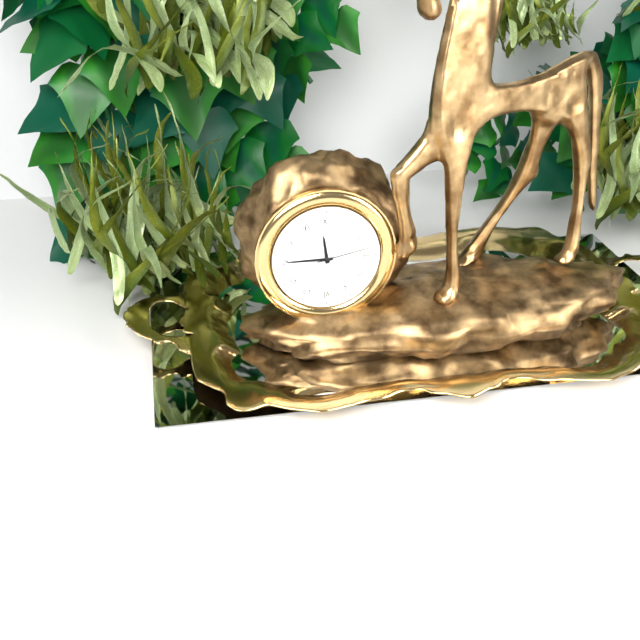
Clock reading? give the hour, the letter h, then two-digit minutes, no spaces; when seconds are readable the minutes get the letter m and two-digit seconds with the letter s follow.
11h45m13s
